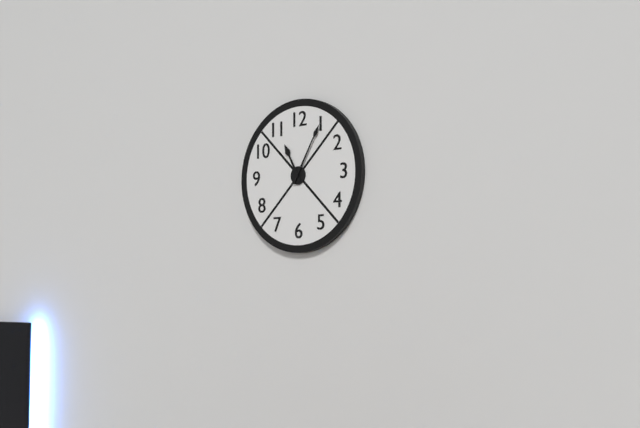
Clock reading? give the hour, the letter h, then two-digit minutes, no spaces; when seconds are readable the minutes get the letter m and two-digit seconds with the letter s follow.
11h05
